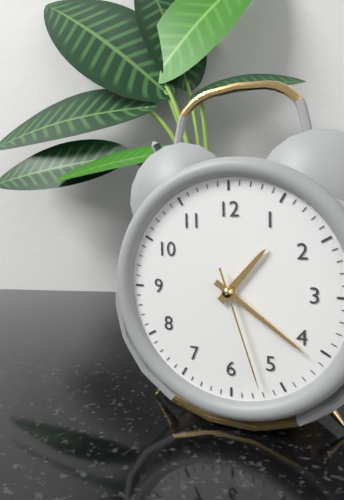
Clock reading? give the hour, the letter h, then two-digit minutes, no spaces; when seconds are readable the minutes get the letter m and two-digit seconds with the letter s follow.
1h21m27s
